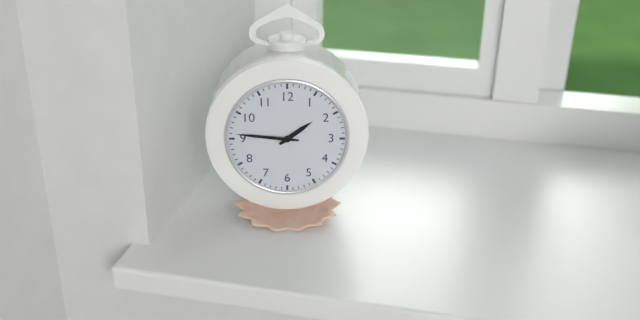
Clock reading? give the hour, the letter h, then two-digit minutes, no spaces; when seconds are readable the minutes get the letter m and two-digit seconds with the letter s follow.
1h46
